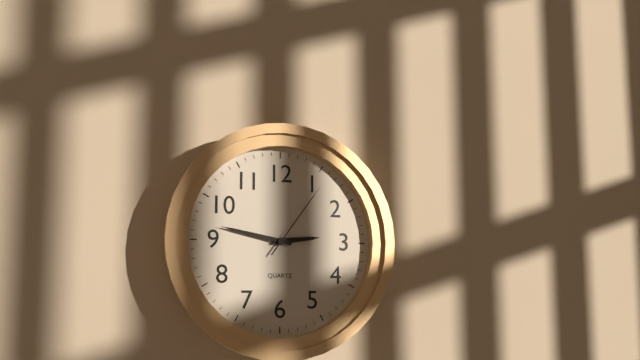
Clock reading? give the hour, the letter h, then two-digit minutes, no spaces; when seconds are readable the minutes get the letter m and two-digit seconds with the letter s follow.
2h47m06s
